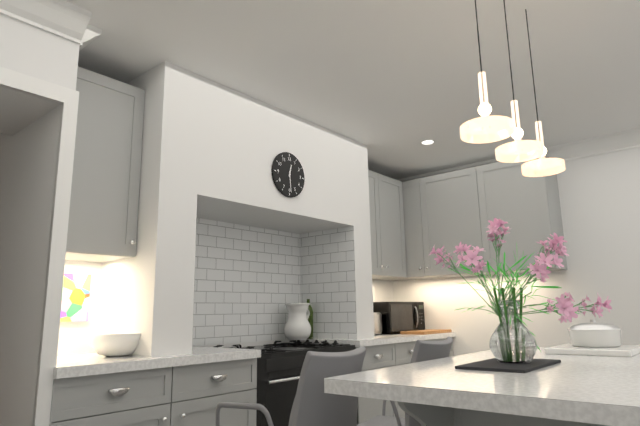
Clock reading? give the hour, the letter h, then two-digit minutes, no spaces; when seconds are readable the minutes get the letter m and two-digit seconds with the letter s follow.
12h29
